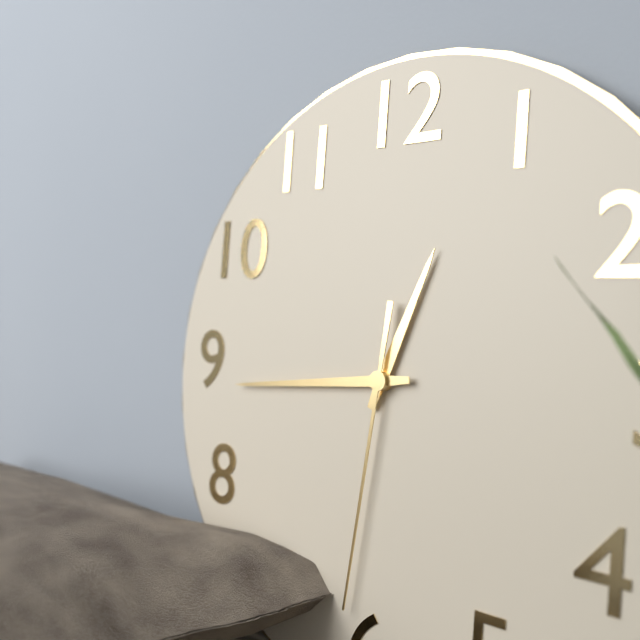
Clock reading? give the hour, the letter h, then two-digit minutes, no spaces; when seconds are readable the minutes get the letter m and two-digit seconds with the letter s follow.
12h44m31s
